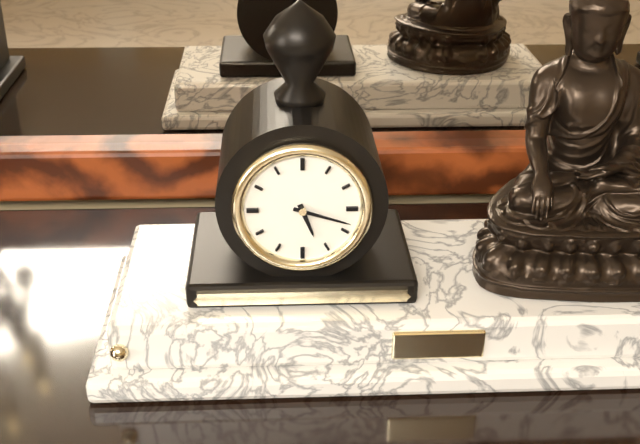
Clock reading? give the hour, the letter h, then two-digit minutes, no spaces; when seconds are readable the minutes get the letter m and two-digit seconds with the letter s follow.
5h18
